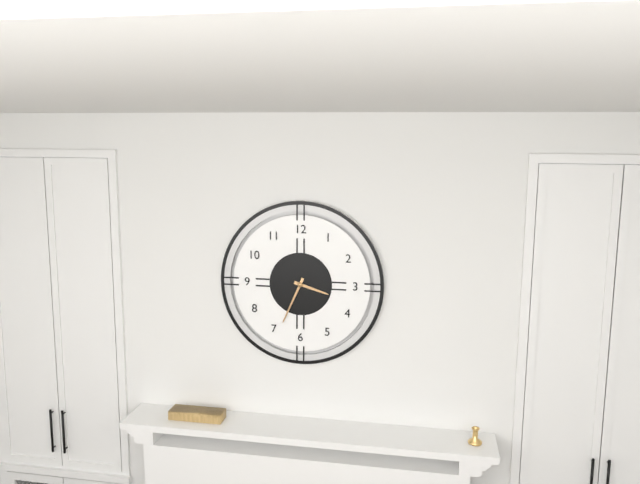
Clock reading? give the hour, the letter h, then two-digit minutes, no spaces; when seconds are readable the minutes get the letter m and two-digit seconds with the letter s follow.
3h34
